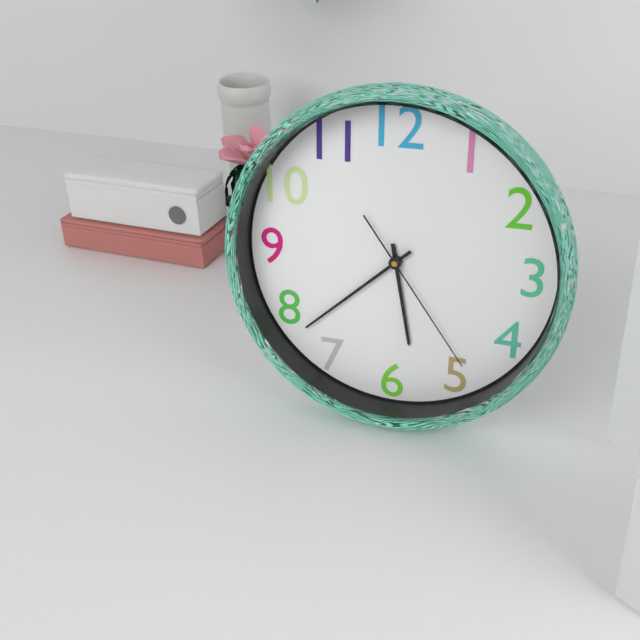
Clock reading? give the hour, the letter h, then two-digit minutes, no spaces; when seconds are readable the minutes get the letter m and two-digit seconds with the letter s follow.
5h38m24s
